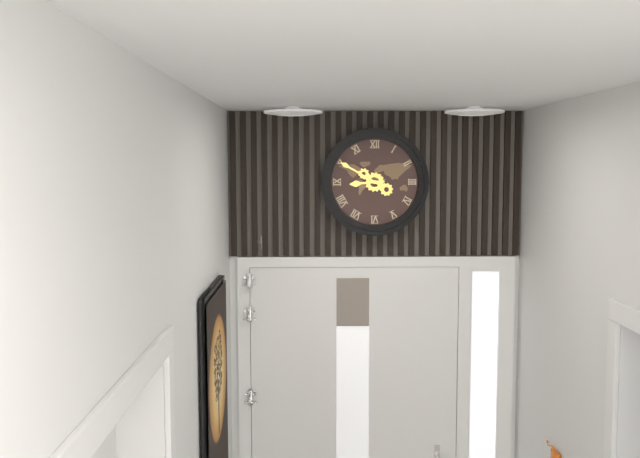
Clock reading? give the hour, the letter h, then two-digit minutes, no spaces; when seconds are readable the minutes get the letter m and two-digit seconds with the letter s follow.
8h50
